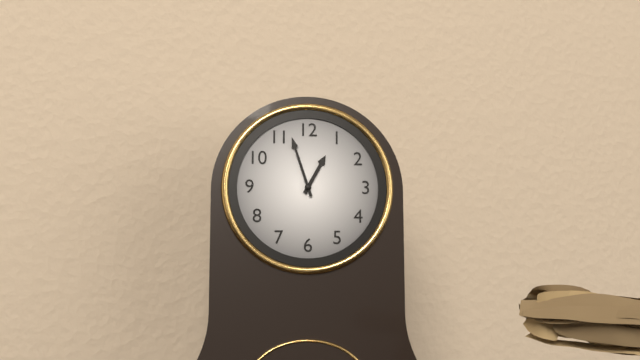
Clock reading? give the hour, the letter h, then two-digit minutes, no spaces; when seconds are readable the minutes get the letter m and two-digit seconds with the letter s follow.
12h57
